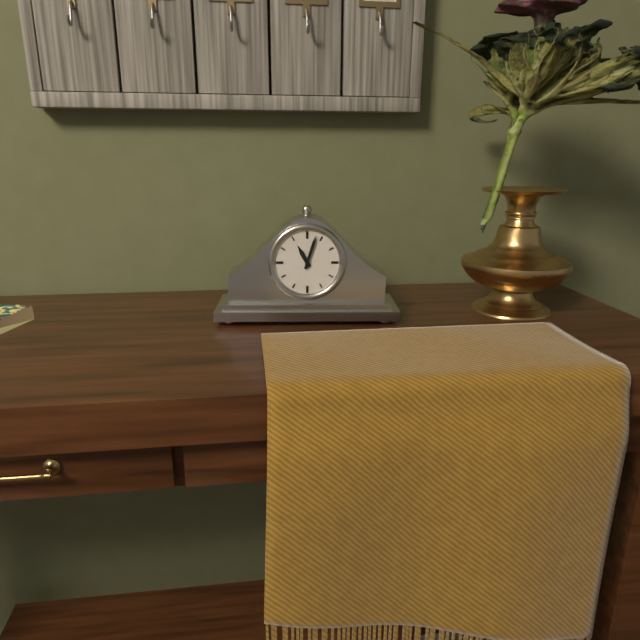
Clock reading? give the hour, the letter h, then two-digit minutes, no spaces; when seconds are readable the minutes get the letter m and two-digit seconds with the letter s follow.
11h03
